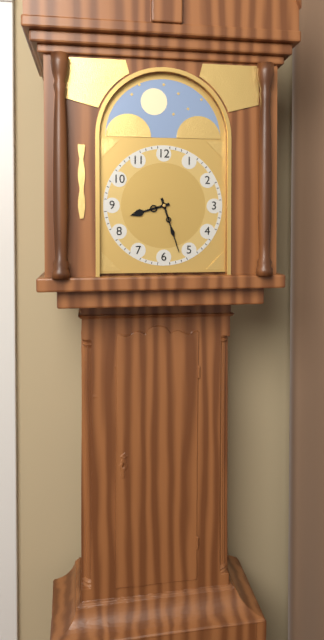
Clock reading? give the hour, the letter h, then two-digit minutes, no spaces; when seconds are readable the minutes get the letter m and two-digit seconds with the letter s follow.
8h27
